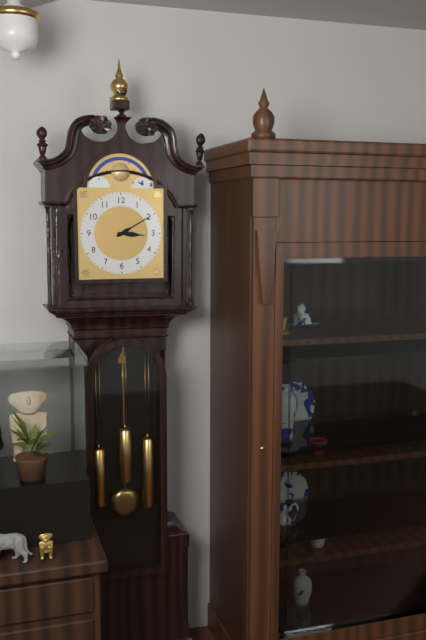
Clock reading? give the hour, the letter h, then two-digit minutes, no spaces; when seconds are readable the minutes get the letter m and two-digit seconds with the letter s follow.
3h10
